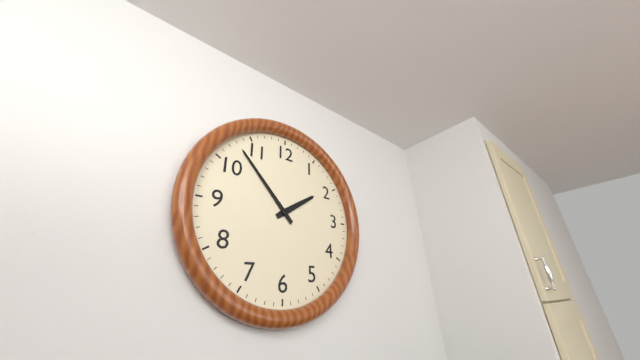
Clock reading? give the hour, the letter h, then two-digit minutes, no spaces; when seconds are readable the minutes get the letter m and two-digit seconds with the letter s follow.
1h53
